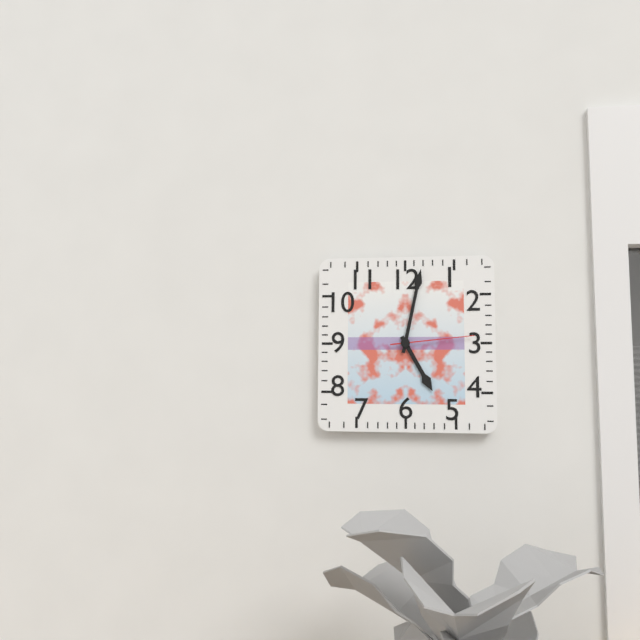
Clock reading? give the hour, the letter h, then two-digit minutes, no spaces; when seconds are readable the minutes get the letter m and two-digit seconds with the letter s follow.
5h02m14s
